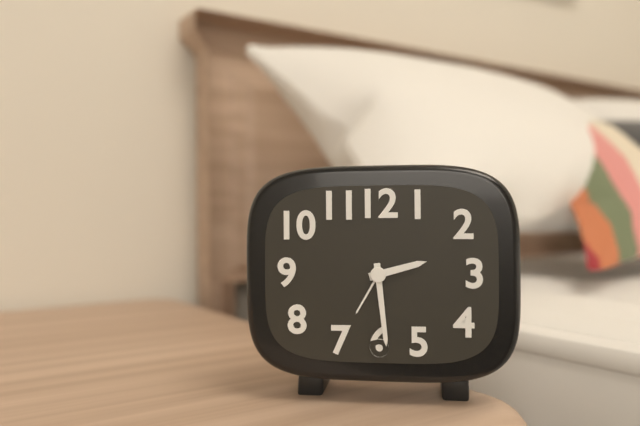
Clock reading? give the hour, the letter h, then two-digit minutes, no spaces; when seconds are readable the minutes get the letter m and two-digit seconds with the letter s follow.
2h29
